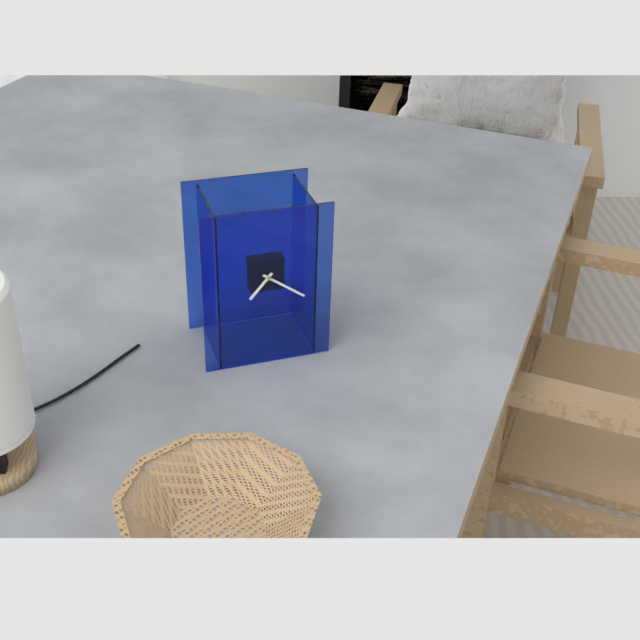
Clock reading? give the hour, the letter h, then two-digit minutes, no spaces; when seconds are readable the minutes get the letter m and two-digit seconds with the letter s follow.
7h21
